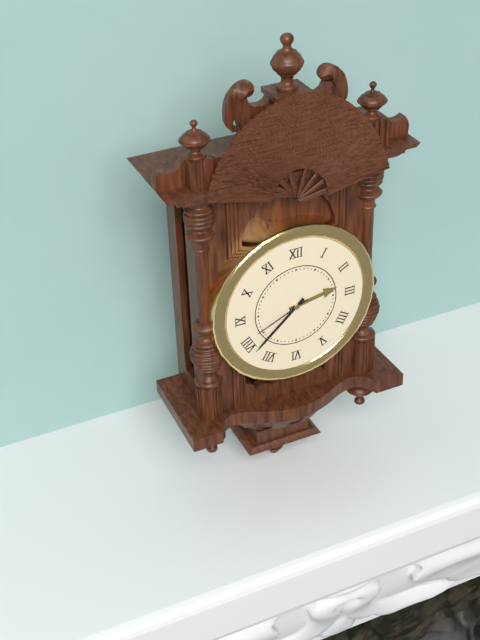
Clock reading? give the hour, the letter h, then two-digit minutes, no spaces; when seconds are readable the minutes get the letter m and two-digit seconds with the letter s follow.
2h38m41s
